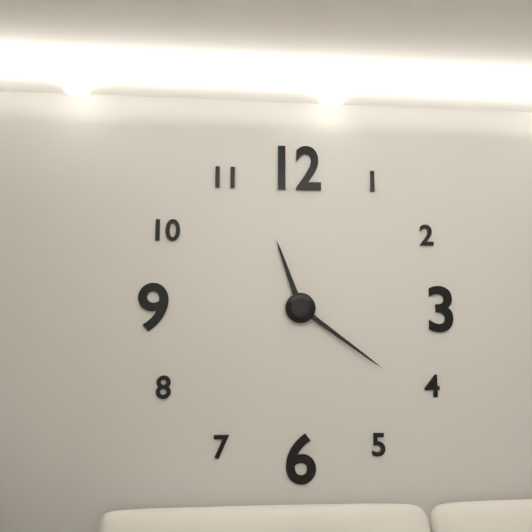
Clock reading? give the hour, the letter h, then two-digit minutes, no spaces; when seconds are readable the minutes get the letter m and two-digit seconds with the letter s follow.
11h21
